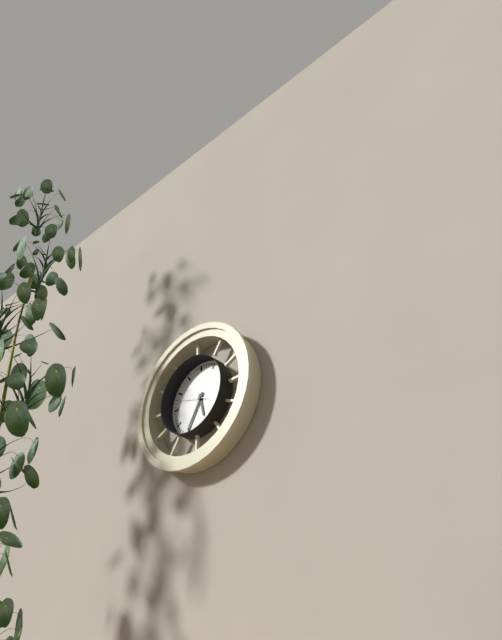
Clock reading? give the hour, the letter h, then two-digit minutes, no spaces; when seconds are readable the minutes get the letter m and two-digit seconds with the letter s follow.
5h35
